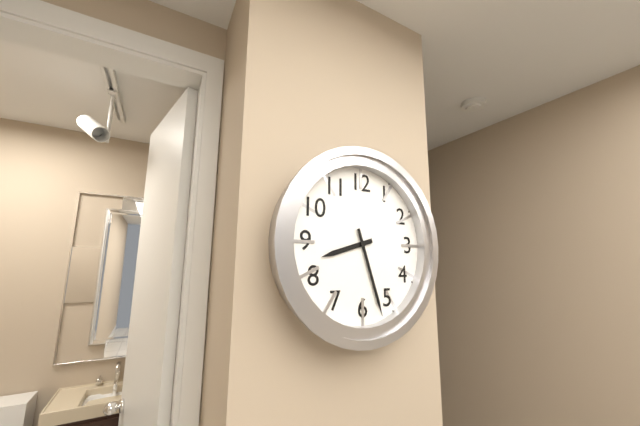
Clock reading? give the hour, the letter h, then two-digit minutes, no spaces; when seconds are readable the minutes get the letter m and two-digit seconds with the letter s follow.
8h27
